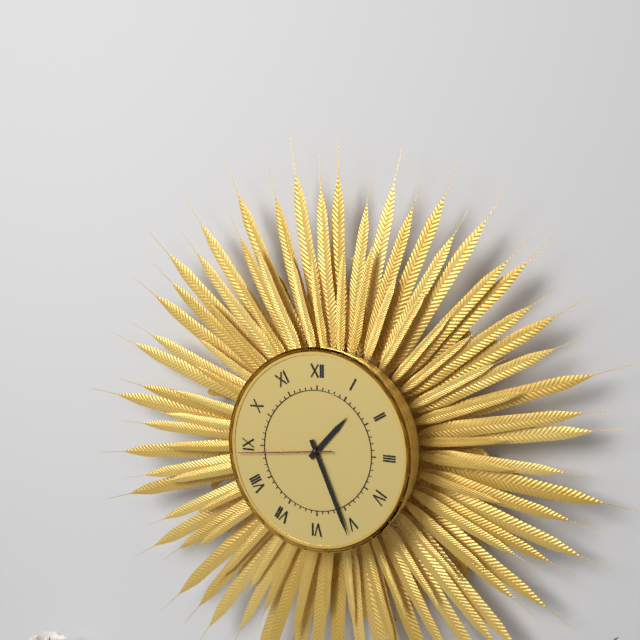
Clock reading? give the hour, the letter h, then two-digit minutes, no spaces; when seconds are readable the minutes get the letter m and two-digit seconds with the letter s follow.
1h26m44s
